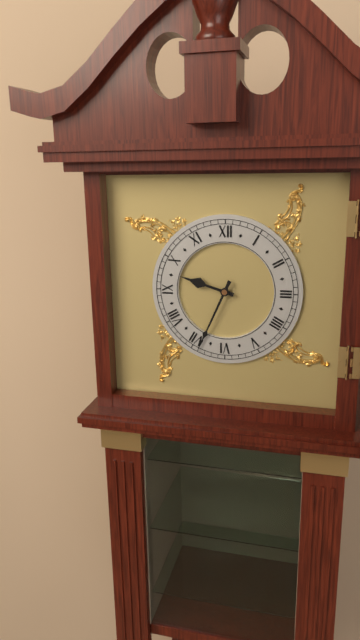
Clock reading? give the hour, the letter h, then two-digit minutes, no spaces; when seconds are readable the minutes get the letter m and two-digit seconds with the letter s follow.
9h34
